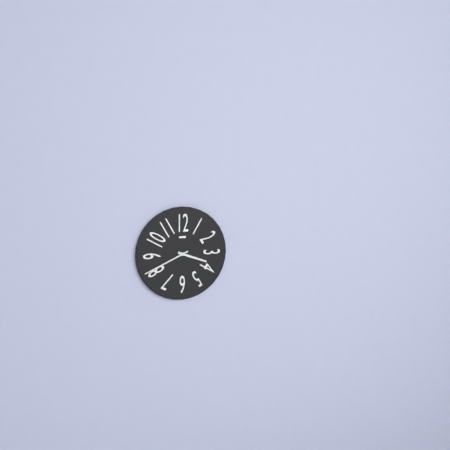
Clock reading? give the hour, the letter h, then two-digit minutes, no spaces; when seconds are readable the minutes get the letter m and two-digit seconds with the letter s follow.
3h41
